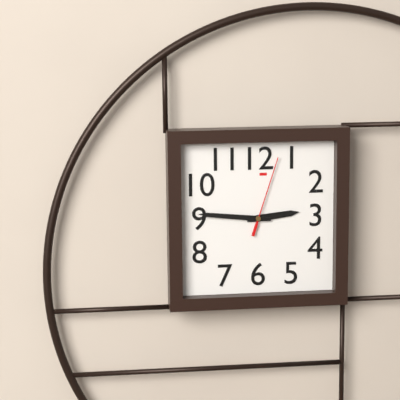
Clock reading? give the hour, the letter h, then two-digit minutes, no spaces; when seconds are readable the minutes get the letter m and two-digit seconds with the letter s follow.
2h46m03s
